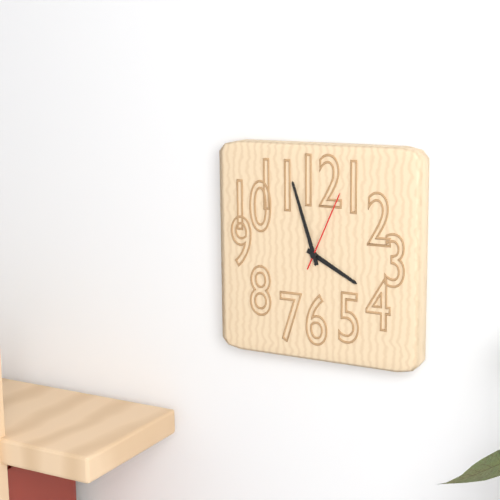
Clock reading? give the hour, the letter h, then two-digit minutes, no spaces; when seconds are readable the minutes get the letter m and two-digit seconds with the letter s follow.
3h57m04s
